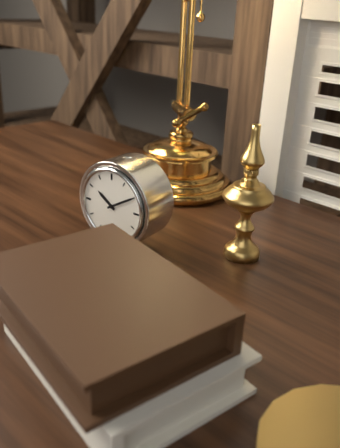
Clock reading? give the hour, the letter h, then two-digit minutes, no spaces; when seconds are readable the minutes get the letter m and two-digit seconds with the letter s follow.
10h10
